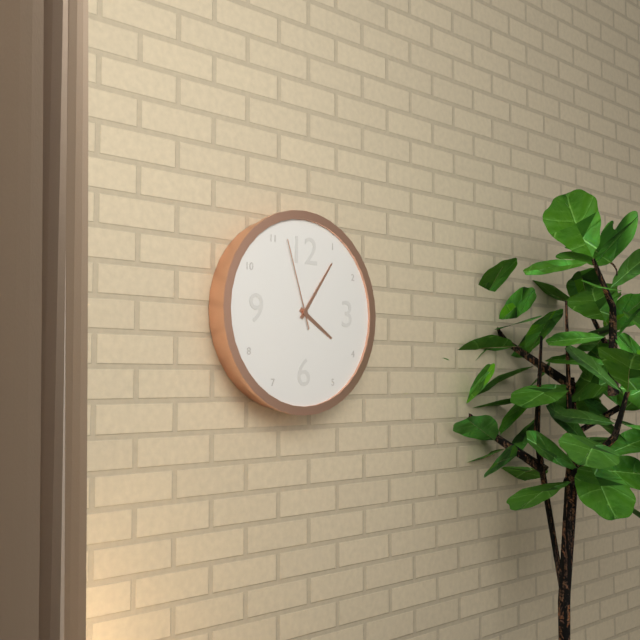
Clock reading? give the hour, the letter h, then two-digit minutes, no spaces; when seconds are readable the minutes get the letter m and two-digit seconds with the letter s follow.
4h06m57s
